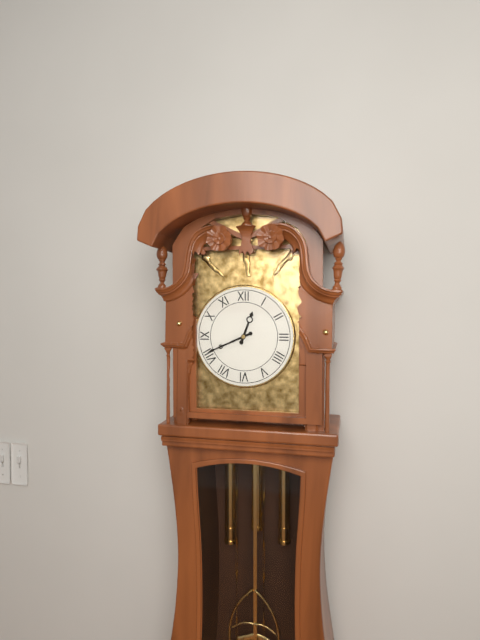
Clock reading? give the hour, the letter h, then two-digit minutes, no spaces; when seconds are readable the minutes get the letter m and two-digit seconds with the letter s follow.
12h41
